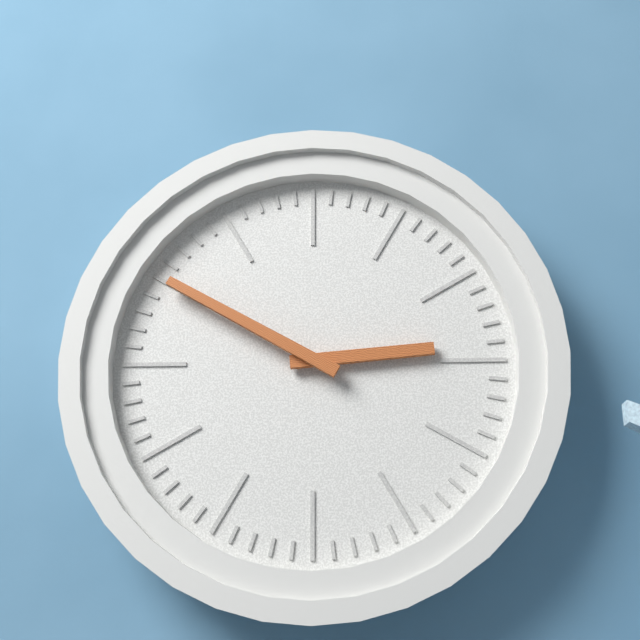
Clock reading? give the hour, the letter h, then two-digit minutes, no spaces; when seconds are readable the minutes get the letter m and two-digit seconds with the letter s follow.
2h50
